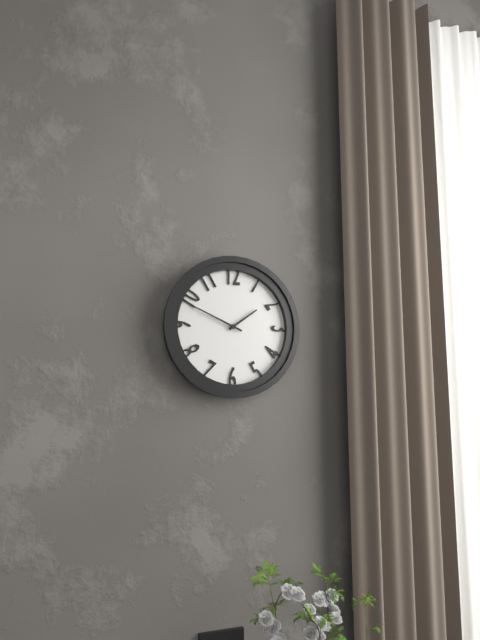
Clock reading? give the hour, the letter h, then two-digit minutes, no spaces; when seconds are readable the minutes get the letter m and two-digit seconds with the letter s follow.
1h49
